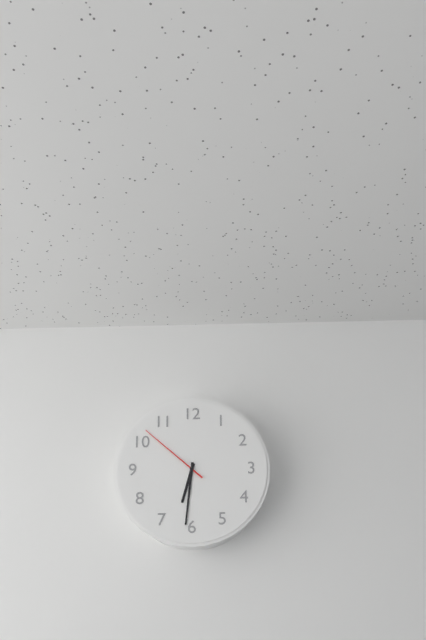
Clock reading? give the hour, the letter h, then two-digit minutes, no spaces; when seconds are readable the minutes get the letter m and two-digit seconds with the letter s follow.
6h31m52s
